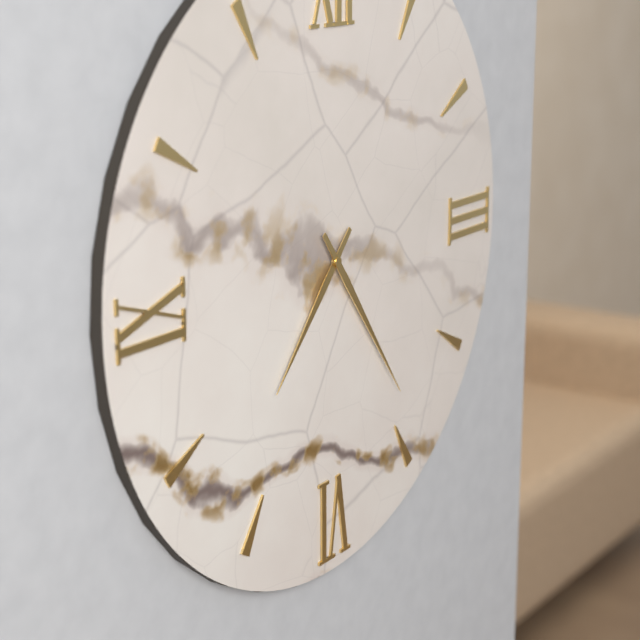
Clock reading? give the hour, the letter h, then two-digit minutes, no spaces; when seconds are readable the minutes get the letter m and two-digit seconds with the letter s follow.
7h24
